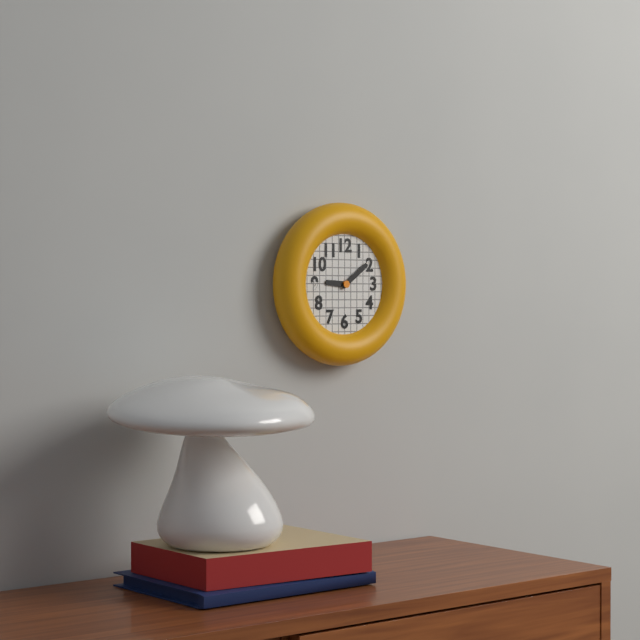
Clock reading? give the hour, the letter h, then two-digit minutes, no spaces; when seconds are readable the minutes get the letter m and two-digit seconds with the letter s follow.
9h09
